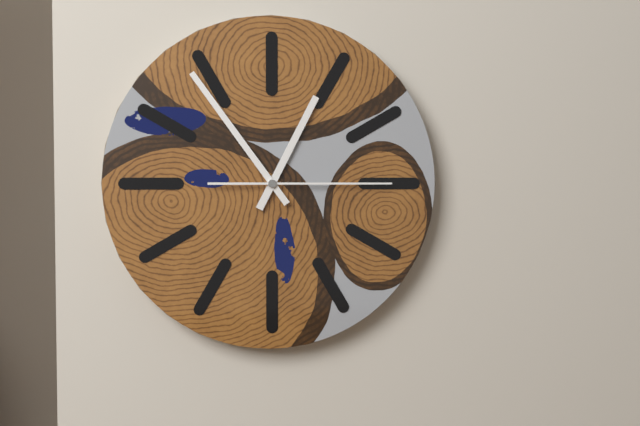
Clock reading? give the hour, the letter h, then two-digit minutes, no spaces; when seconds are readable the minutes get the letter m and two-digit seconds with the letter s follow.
12h54m15s
